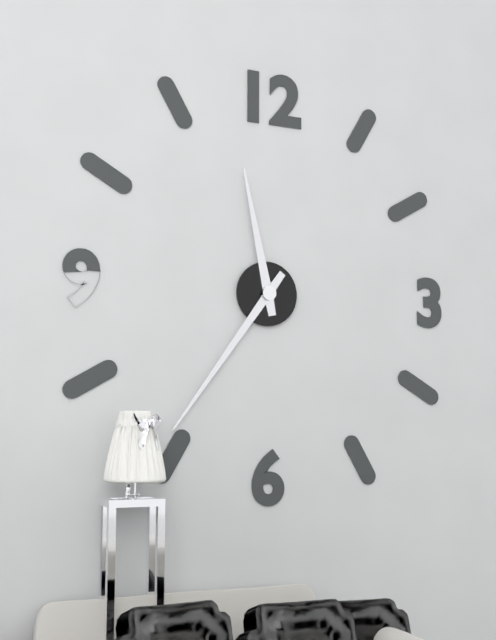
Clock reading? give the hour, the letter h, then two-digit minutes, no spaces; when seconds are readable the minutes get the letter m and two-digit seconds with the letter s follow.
11h36
